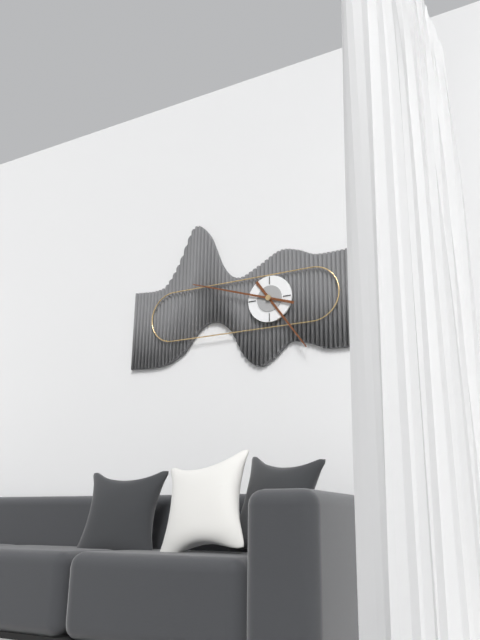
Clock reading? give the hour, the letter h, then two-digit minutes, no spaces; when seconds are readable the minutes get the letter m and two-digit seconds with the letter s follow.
4h48
